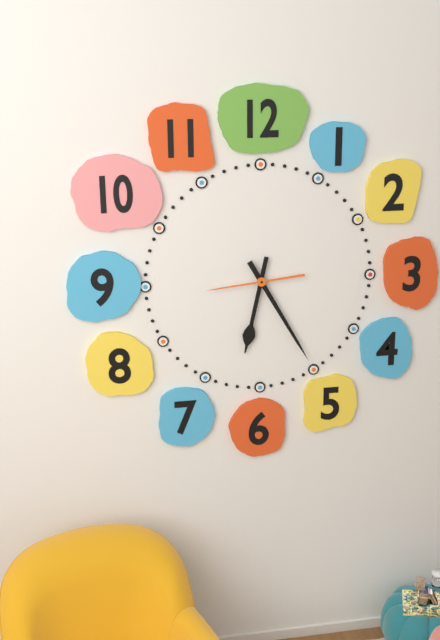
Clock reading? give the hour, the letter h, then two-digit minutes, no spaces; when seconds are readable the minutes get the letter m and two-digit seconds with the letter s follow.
6h25m44s
